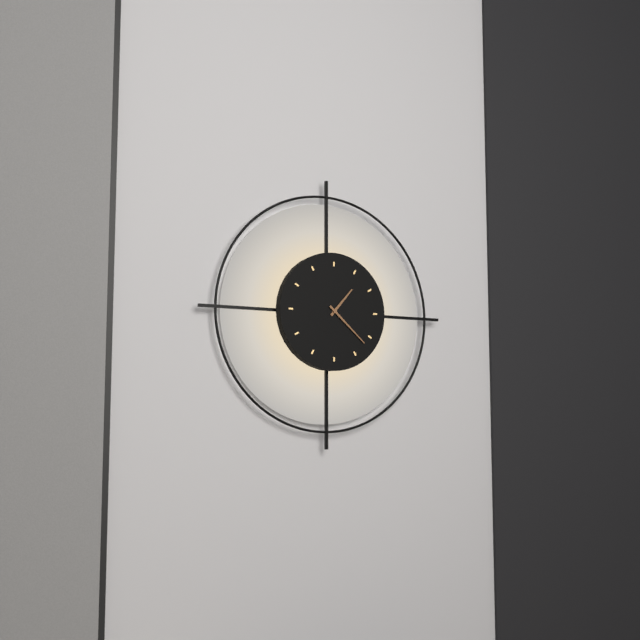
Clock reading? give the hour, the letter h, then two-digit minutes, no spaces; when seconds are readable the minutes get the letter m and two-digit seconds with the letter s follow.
1h22
